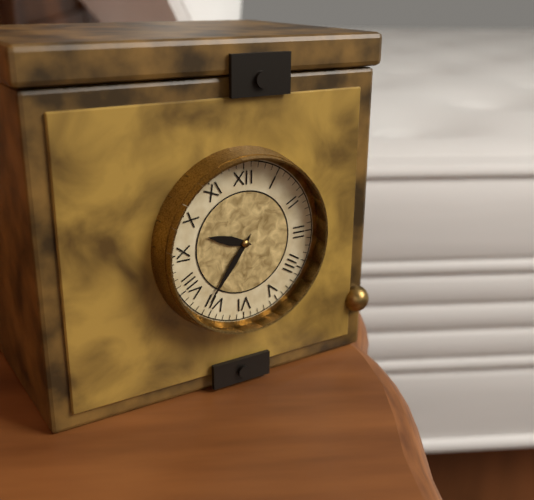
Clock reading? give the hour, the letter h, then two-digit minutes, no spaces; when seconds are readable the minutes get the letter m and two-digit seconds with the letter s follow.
9h36
